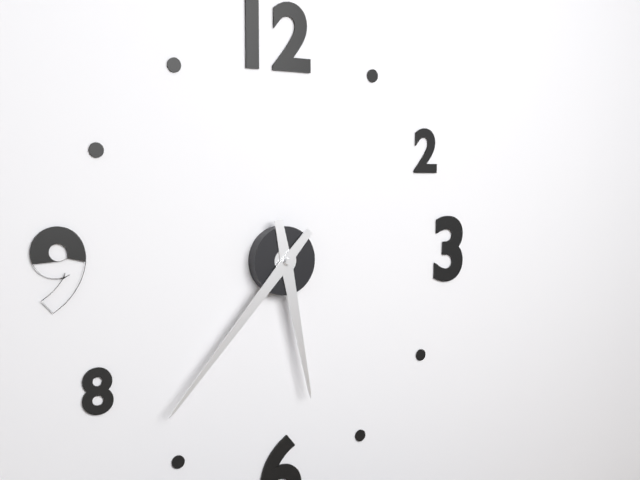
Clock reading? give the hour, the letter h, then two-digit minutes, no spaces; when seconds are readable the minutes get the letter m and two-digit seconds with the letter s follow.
5h37
